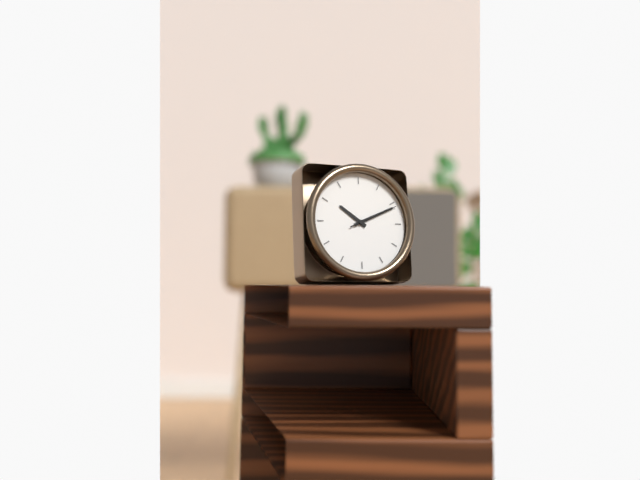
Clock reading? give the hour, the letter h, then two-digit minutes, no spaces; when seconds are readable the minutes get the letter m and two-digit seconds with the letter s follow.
10h11
